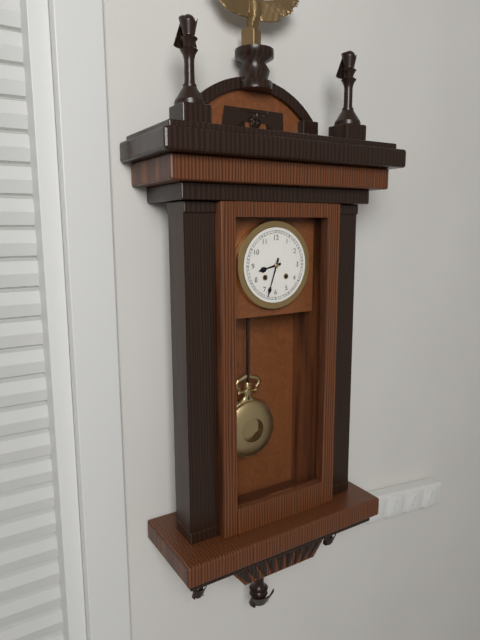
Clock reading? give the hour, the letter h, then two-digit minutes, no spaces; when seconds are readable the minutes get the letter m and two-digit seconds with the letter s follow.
8h33
